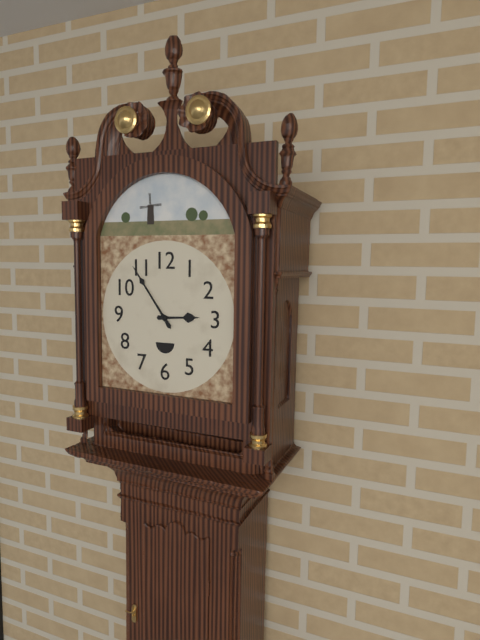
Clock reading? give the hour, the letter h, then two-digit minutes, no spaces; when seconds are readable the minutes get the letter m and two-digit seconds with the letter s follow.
2h54
